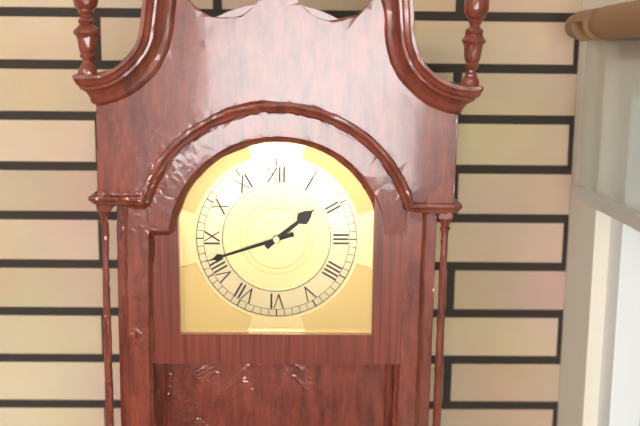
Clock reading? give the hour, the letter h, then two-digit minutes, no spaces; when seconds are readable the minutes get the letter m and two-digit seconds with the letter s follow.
1h42
